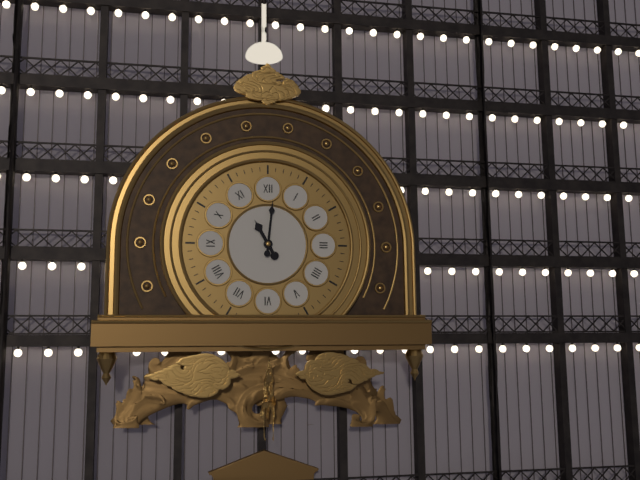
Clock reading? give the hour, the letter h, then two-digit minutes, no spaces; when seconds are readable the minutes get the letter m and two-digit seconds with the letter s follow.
11h01
